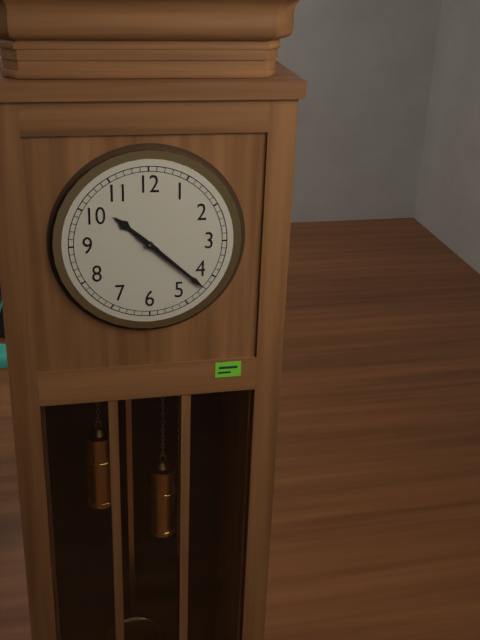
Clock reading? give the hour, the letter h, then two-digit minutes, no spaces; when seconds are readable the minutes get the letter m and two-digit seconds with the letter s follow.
10h22
